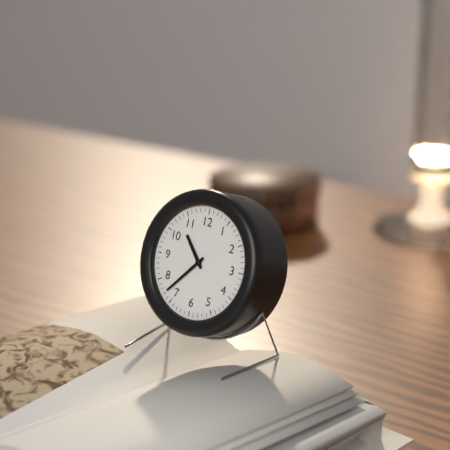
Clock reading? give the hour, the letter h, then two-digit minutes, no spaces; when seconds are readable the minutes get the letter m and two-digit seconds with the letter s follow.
10h37
